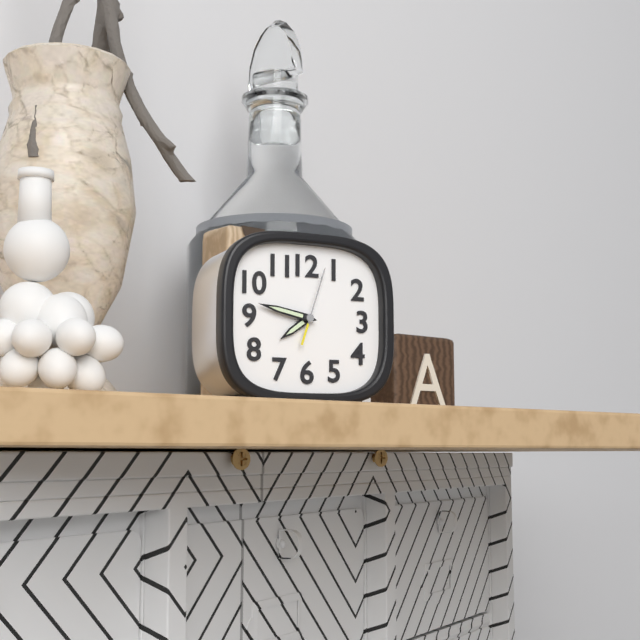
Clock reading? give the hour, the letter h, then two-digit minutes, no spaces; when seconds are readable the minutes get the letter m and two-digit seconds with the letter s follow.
7h47m03s
